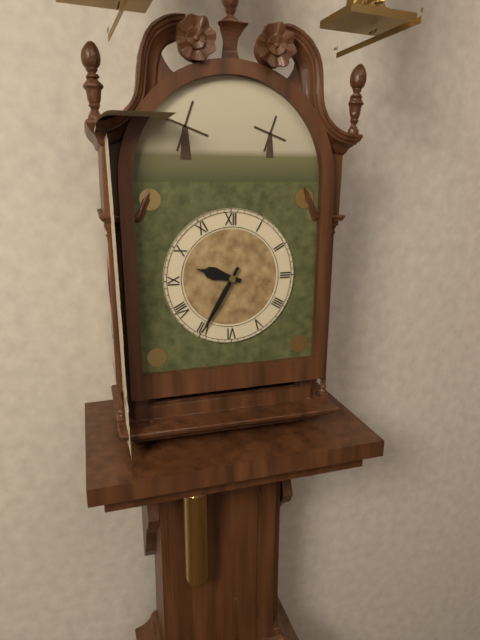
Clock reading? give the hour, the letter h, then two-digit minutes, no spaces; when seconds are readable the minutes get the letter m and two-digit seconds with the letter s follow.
9h35
